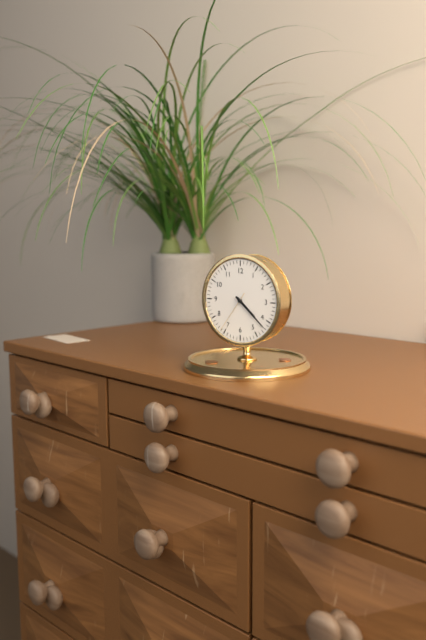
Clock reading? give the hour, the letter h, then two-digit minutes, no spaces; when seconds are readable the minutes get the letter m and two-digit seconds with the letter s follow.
4h22
